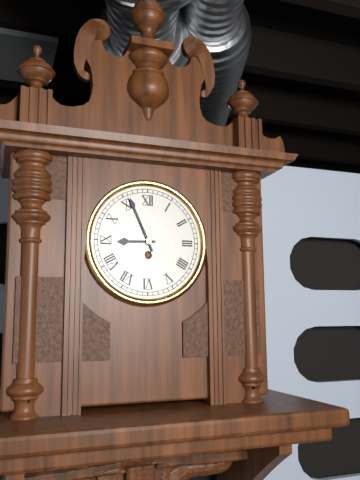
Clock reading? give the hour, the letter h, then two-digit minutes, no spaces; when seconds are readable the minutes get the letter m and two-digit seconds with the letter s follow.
8h56
